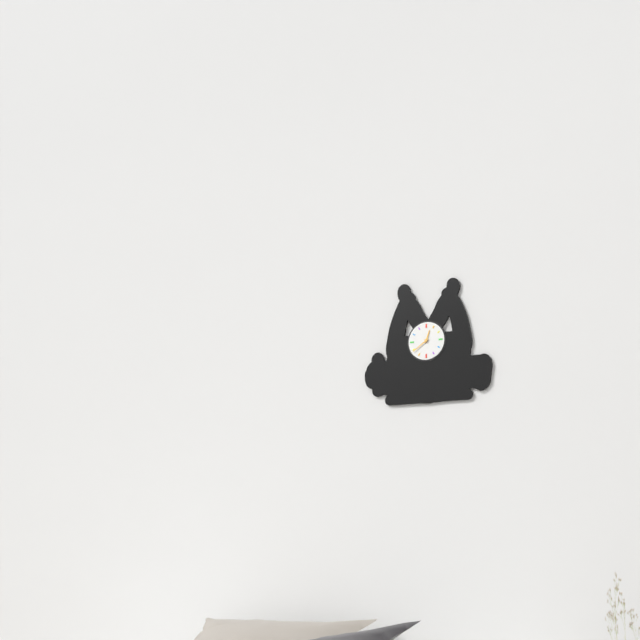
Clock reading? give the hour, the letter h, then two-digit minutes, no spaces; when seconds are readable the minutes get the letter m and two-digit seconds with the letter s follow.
12h39
